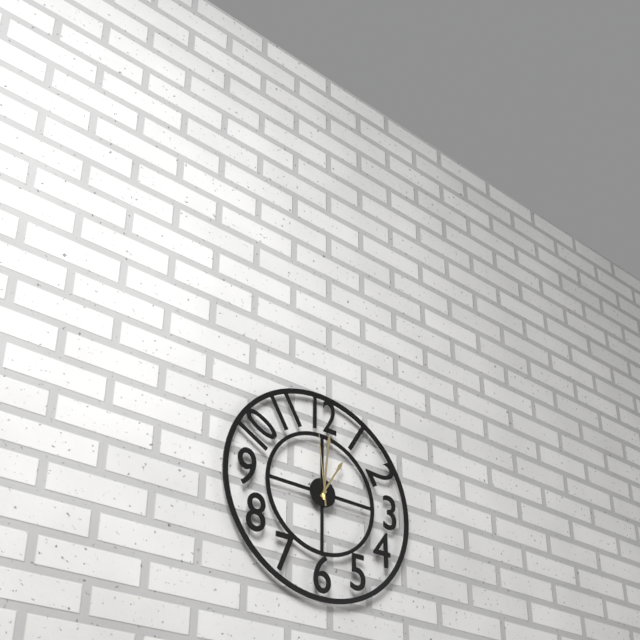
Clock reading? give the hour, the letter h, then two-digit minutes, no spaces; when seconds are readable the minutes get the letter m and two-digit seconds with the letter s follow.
1h01m59s
